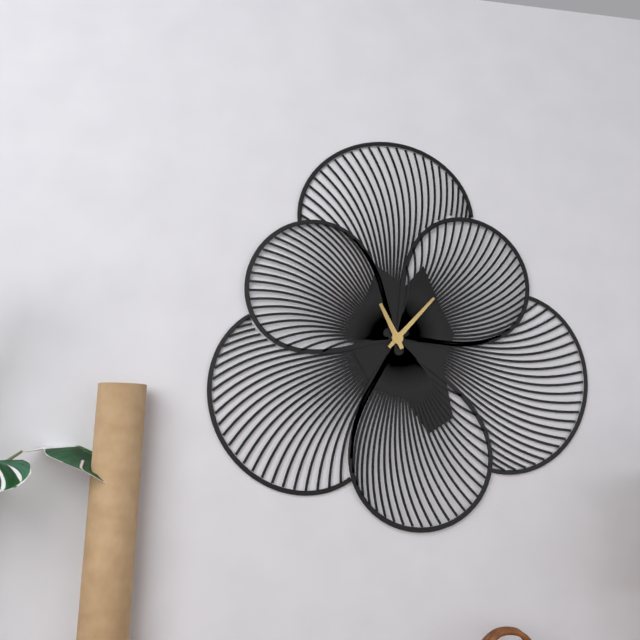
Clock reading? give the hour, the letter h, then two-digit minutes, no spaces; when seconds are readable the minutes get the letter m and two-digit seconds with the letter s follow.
11h07
